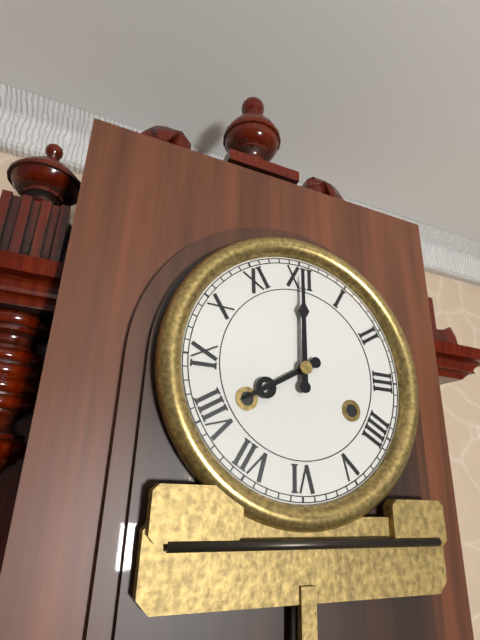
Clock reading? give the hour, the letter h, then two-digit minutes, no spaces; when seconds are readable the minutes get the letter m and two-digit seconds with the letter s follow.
8h00
